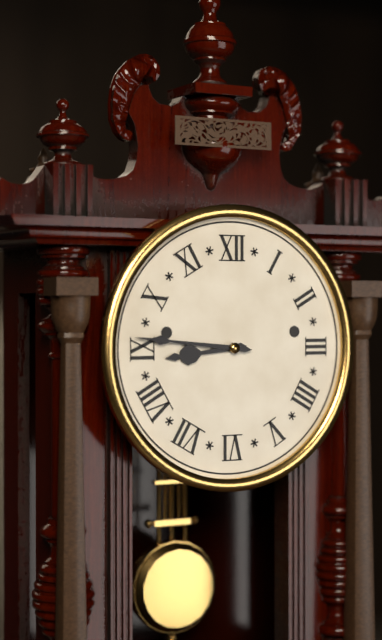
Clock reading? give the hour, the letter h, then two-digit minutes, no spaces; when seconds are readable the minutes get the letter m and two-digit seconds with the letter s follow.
8h46
